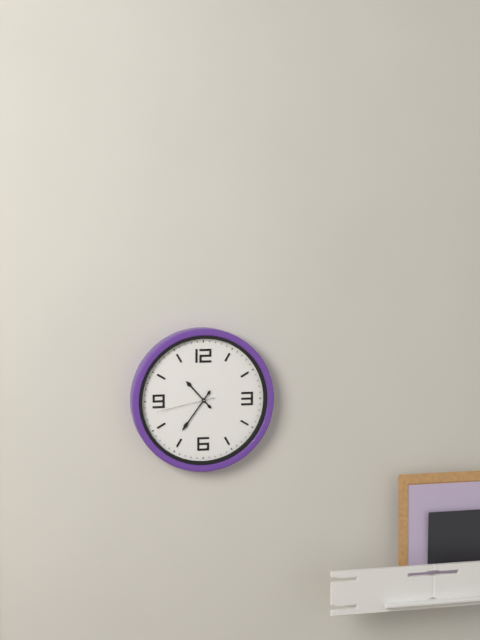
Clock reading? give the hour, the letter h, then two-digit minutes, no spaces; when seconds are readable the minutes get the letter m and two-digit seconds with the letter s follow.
10h36m43s
